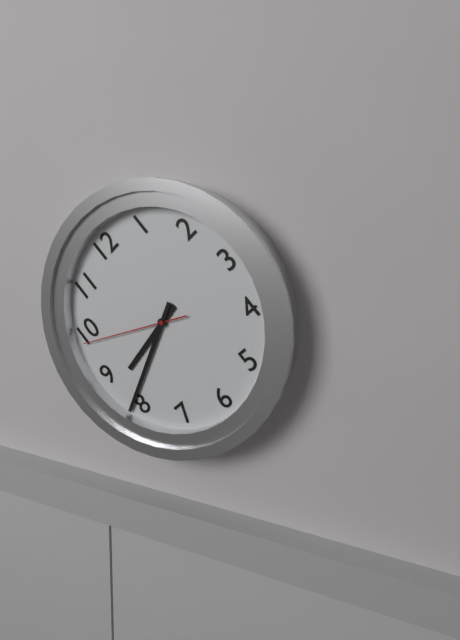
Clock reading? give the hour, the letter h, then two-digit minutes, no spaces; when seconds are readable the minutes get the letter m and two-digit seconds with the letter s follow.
8h41m49s
